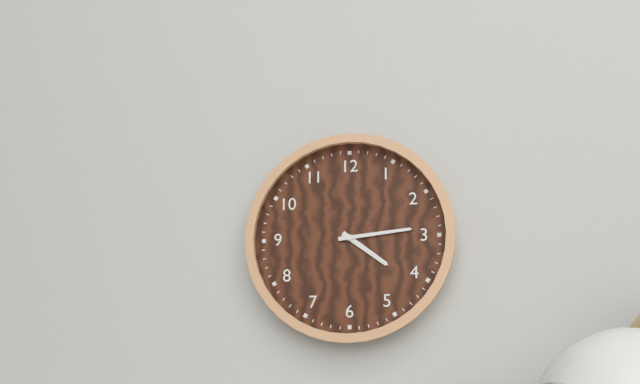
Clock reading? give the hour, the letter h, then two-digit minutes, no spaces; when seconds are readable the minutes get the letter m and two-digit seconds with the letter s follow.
4h14
